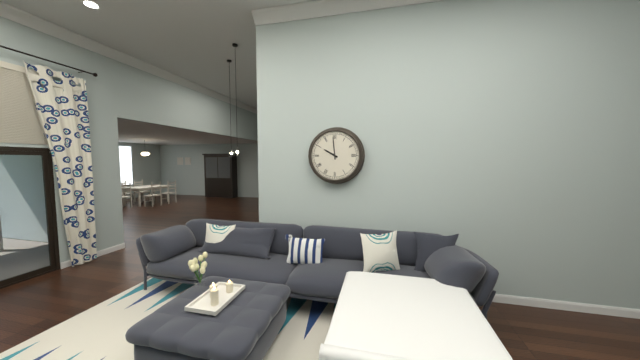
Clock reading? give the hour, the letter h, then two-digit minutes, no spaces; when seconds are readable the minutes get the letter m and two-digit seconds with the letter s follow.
9h59
